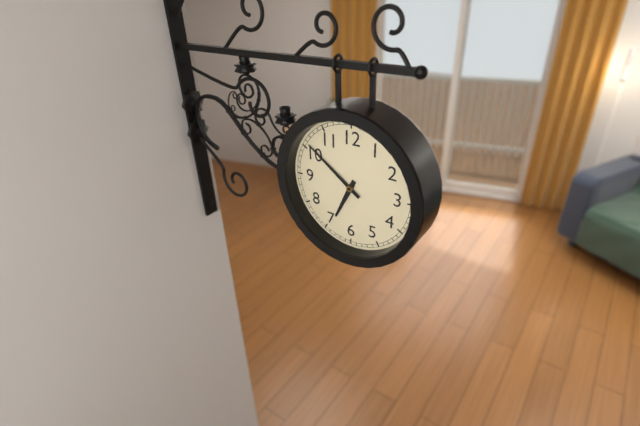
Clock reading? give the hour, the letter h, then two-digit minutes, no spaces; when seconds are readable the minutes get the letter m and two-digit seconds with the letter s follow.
6h51
